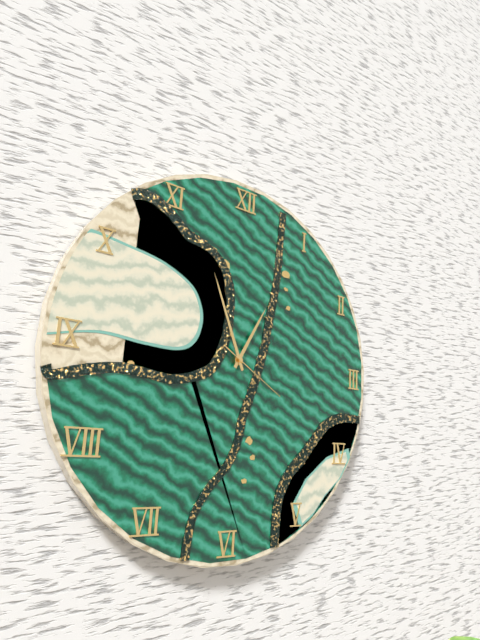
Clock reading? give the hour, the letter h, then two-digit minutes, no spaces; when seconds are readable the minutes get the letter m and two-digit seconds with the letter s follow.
12h56m20s
